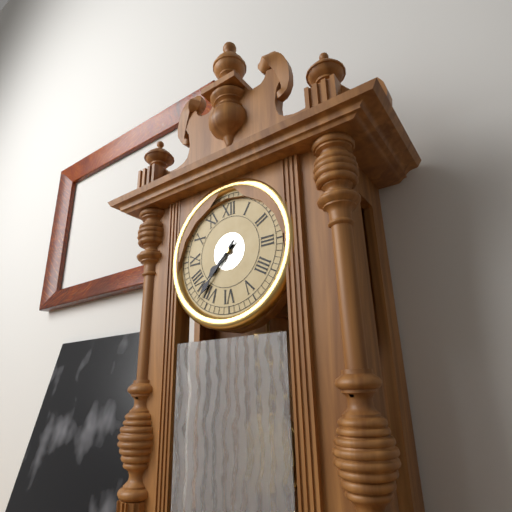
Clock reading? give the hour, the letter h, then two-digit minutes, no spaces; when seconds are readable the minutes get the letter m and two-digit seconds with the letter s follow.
7h37
